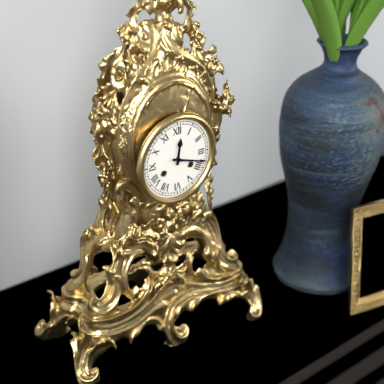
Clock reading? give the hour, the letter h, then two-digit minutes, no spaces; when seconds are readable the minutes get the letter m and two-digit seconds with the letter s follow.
12h18
